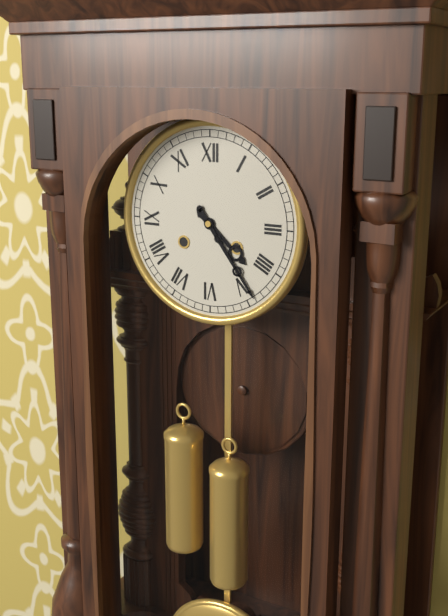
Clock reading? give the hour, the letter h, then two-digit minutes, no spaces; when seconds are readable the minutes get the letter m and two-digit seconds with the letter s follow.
4h24
